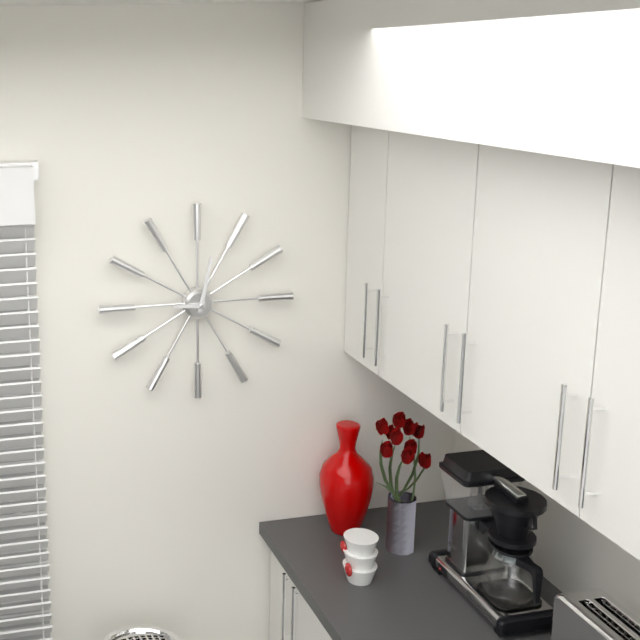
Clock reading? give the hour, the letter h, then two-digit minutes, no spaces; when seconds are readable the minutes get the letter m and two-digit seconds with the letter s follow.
9h02
